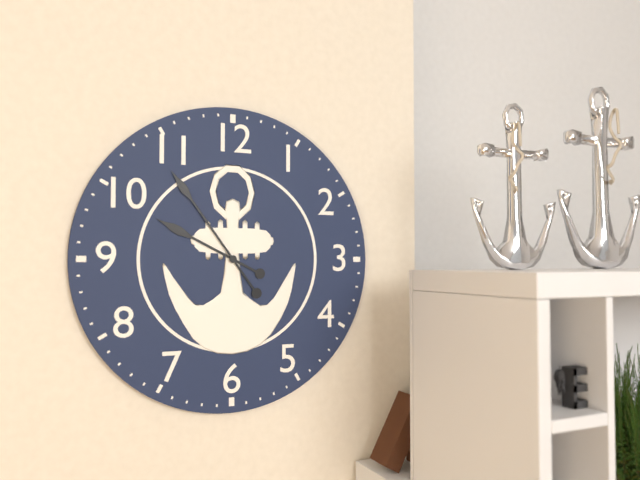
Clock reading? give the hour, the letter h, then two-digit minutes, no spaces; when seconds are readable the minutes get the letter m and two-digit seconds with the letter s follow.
9h54
